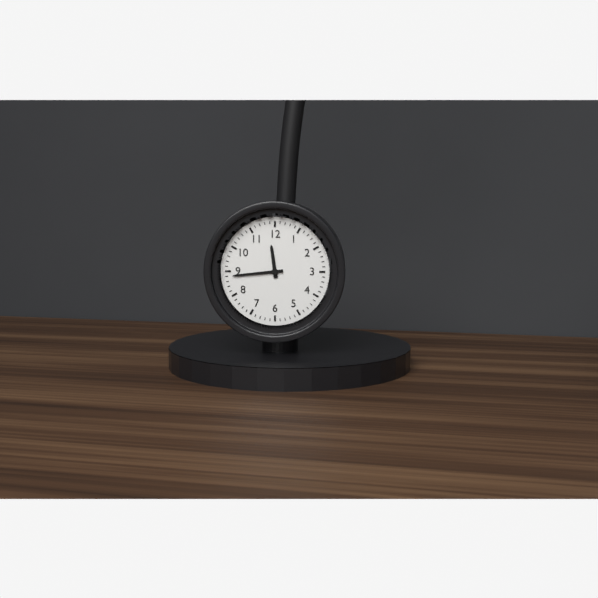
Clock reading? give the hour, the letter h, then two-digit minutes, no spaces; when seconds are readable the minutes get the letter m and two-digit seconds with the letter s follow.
11h44
